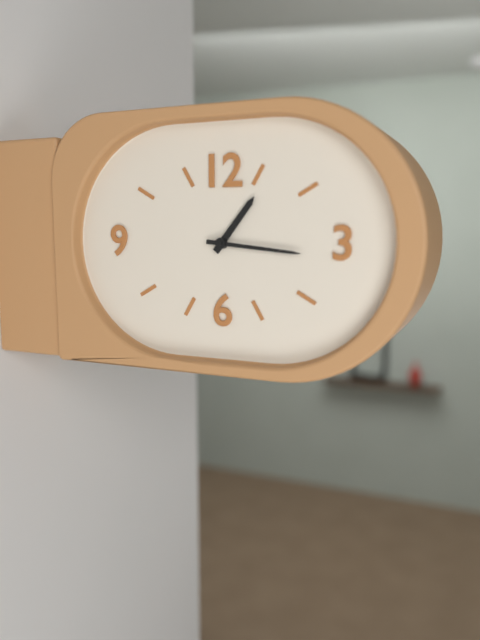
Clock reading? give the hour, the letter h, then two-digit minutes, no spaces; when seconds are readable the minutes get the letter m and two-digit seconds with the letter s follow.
1h16
